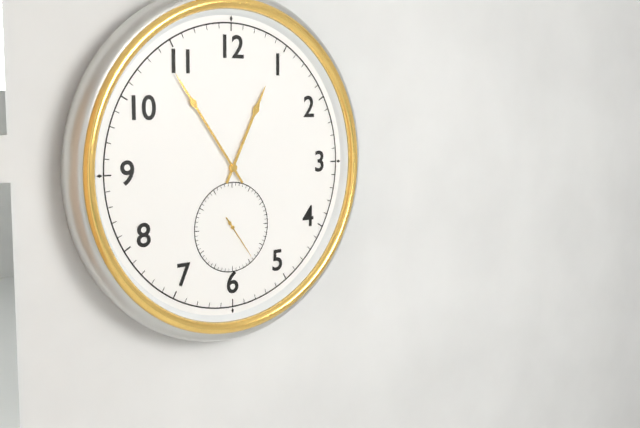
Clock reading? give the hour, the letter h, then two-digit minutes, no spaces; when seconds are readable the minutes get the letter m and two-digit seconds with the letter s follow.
12h54
